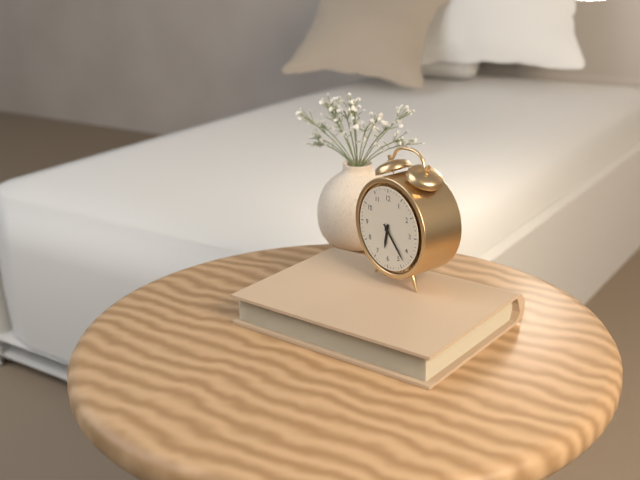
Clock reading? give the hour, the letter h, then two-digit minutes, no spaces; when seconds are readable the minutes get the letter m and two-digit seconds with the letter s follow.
6h23
